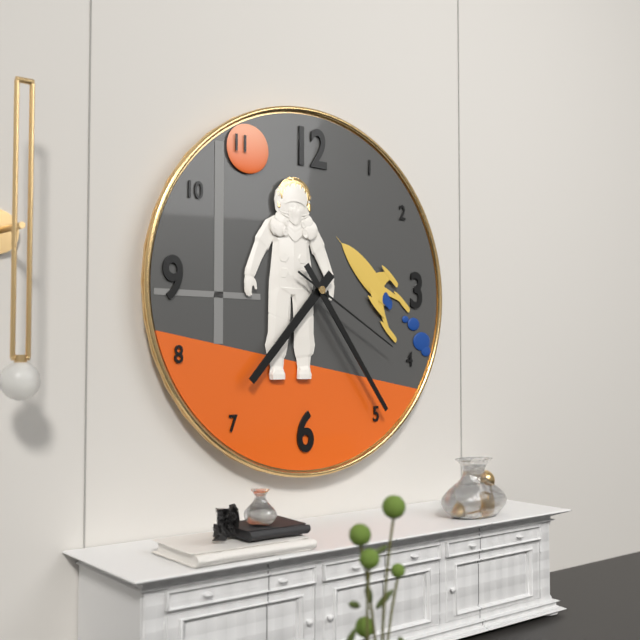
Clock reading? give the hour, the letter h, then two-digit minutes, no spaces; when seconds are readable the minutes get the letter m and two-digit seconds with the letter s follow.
7h24m20s
